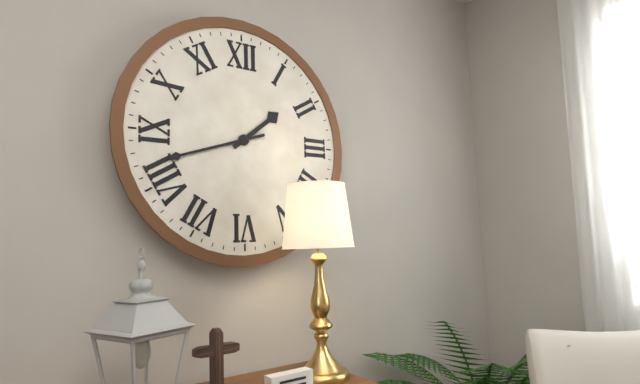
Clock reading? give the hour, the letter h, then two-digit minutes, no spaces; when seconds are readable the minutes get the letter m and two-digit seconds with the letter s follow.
1h42
